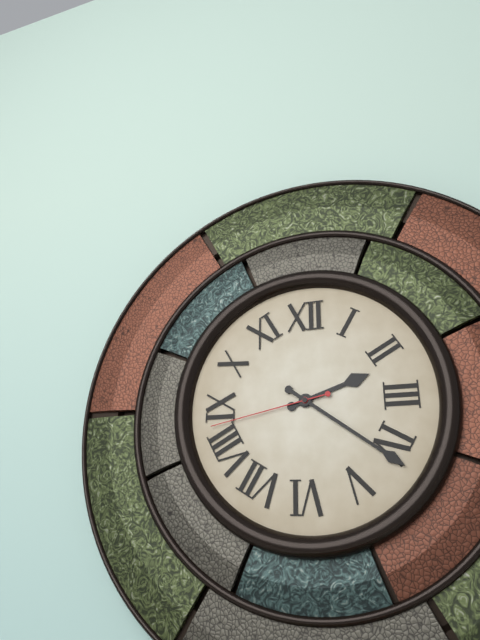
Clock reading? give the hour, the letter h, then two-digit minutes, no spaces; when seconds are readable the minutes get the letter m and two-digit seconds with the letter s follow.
2h21m43s
